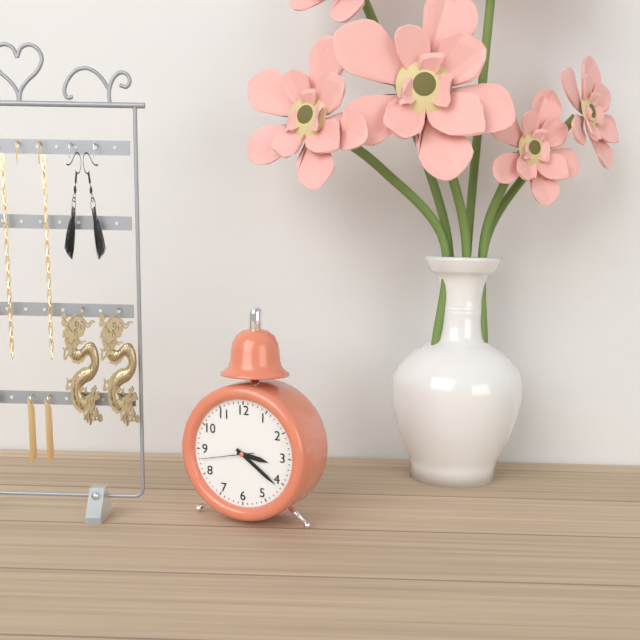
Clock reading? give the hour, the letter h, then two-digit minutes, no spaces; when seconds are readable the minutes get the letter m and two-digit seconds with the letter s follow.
3h21m43s
